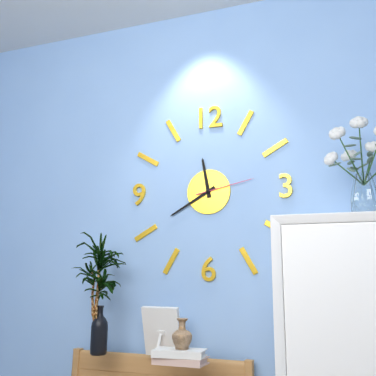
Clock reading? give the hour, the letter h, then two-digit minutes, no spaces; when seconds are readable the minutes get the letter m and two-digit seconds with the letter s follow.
11h40m13s
